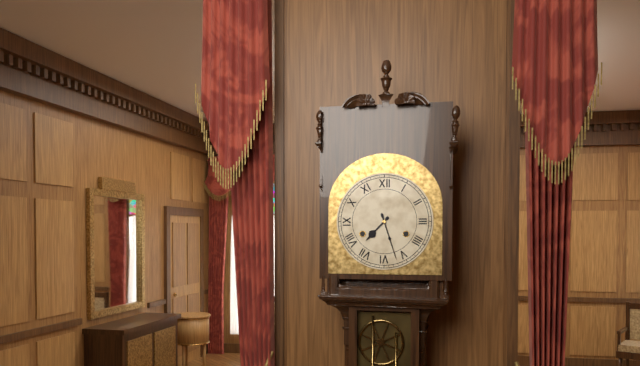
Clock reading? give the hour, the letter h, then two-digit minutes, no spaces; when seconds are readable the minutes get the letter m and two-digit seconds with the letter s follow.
7h27
